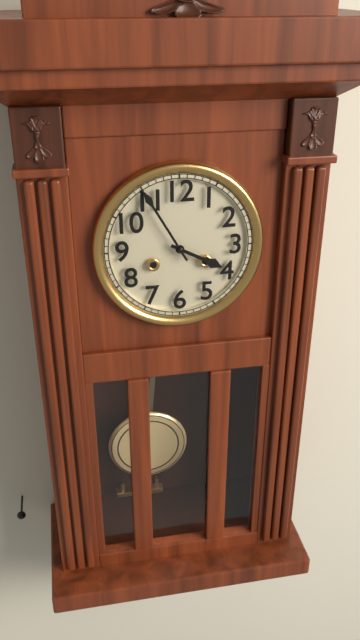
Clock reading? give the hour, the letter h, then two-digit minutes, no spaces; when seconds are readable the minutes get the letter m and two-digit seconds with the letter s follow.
3h55
